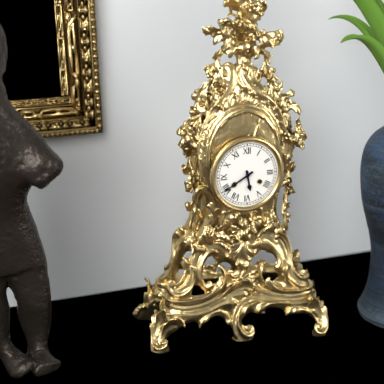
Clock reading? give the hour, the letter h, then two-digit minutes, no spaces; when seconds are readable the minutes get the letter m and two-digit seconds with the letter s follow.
5h40
